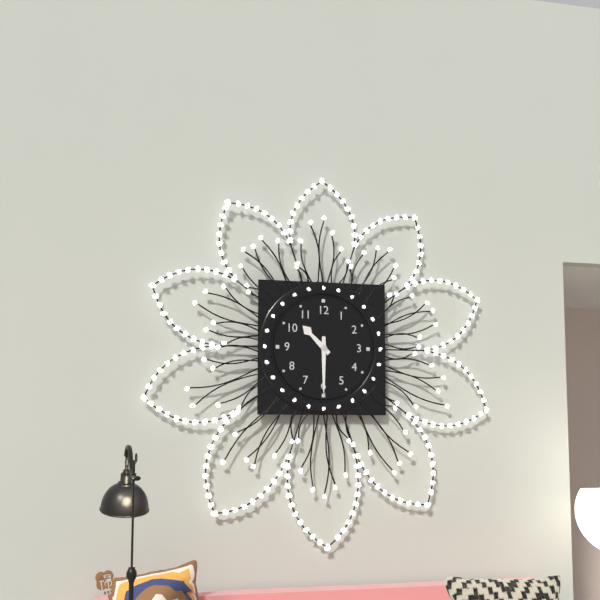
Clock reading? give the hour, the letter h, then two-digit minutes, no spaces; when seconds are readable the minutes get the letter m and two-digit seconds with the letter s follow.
10h30
